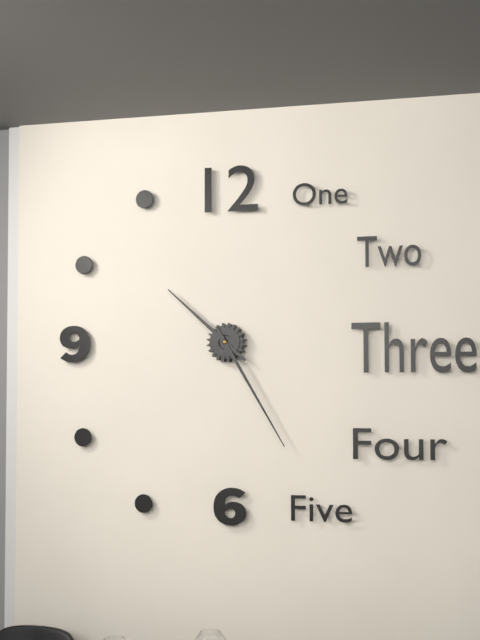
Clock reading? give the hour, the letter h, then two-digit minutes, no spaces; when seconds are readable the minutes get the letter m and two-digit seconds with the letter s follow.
10h25
